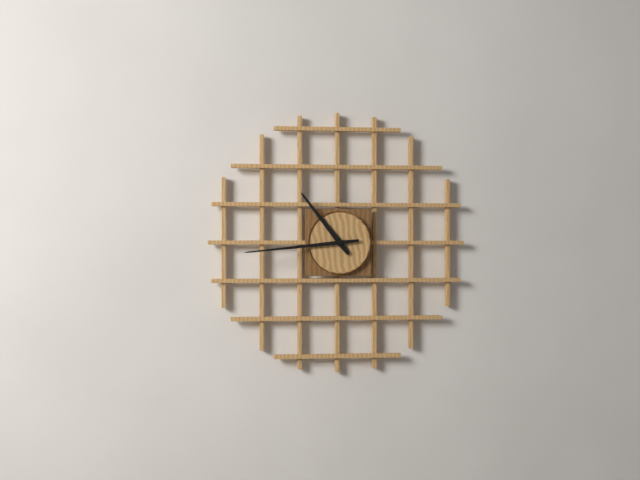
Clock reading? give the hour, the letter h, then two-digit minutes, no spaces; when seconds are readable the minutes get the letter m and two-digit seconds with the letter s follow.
10h44
